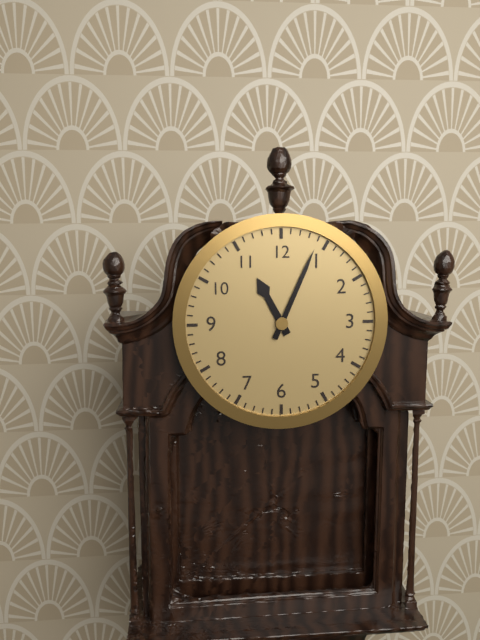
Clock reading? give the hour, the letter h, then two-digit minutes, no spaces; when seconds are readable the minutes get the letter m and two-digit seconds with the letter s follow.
11h04
